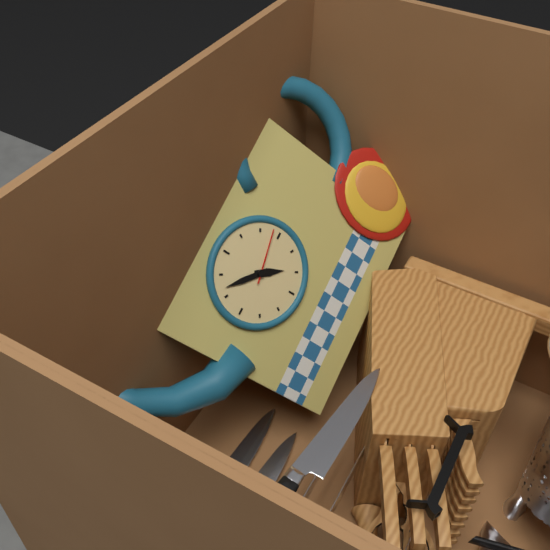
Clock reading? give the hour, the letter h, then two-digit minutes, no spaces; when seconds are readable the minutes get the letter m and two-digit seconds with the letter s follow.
4h52m13s
